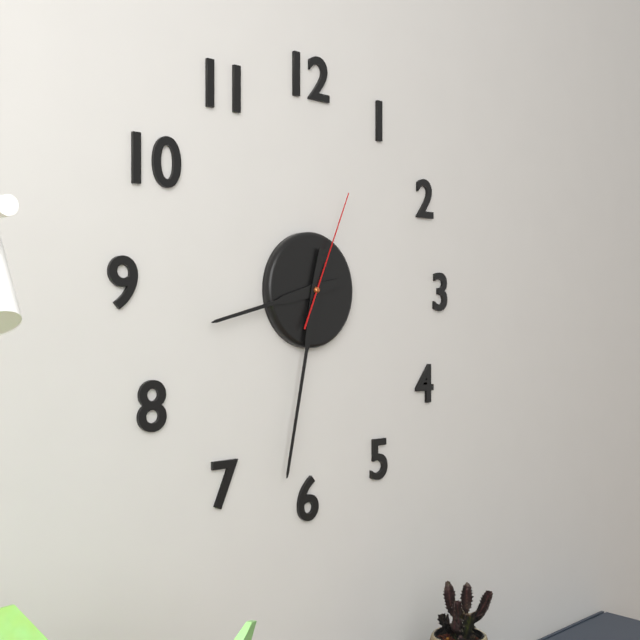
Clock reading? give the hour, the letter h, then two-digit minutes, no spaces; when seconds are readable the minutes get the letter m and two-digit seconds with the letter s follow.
8h32m04s
